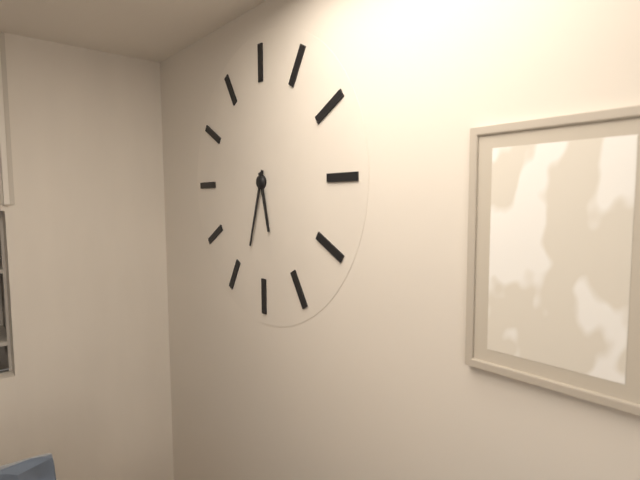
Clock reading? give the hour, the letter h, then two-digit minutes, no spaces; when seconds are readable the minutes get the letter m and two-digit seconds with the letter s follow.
5h33
